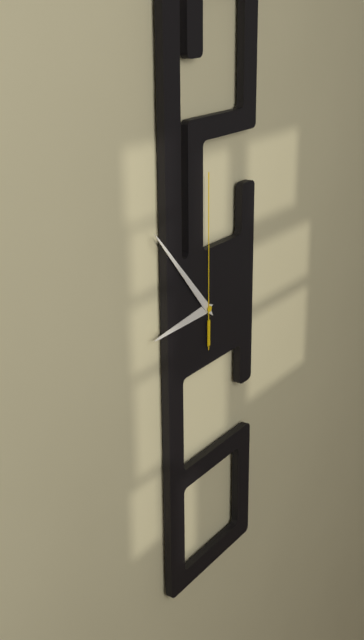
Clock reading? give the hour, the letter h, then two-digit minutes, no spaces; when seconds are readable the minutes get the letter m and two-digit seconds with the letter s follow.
8h53m00s
